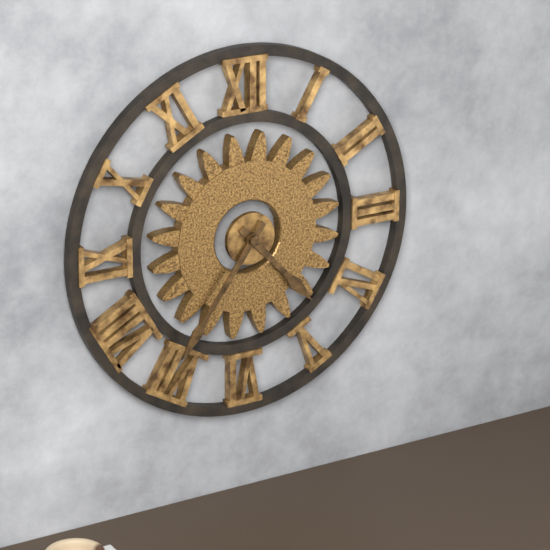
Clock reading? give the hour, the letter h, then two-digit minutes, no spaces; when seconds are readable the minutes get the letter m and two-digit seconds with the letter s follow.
4h36
